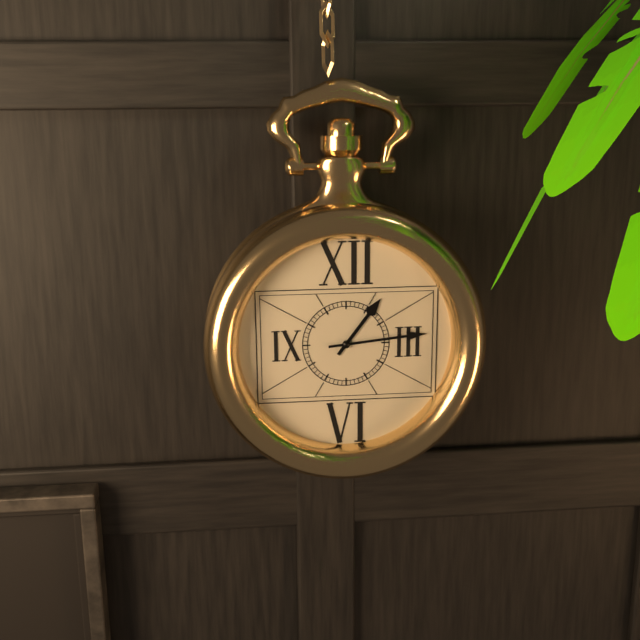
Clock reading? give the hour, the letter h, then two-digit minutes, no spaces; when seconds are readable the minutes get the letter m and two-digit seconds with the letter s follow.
1h14
